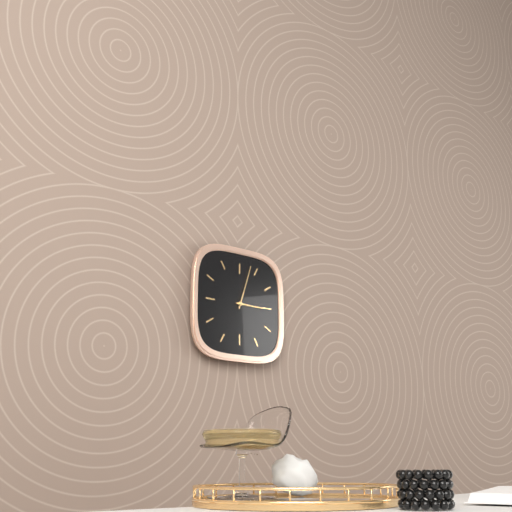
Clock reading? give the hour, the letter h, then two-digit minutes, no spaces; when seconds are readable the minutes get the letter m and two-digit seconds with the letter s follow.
3h03
